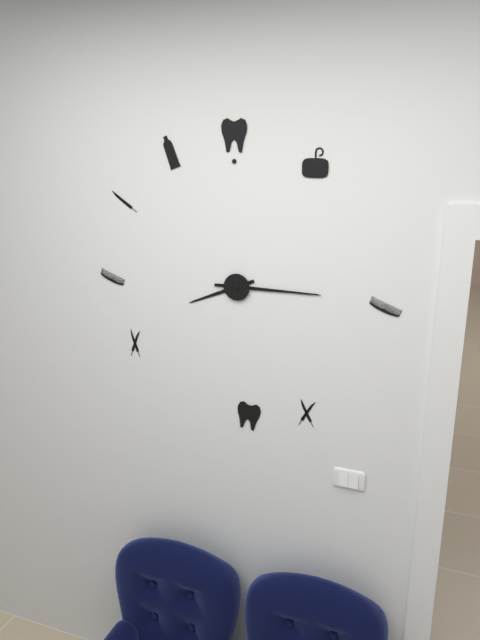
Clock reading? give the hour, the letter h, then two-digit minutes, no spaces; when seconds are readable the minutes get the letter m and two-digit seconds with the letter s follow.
8h15
